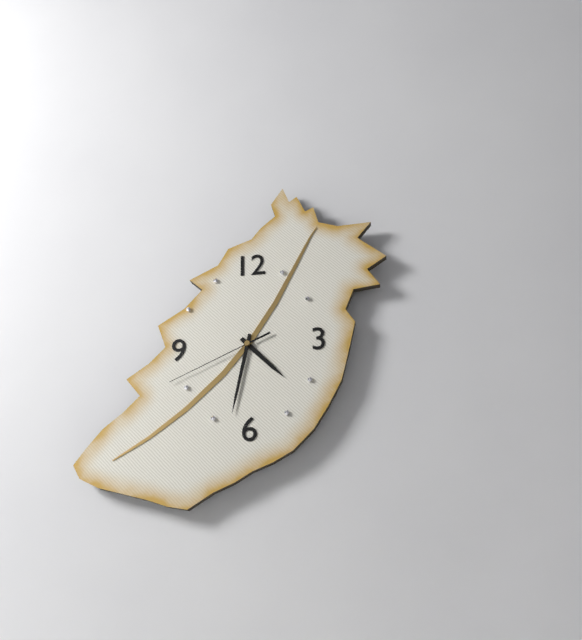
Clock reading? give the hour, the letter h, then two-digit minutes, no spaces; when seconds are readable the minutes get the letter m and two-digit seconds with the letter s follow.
4h32m41s
